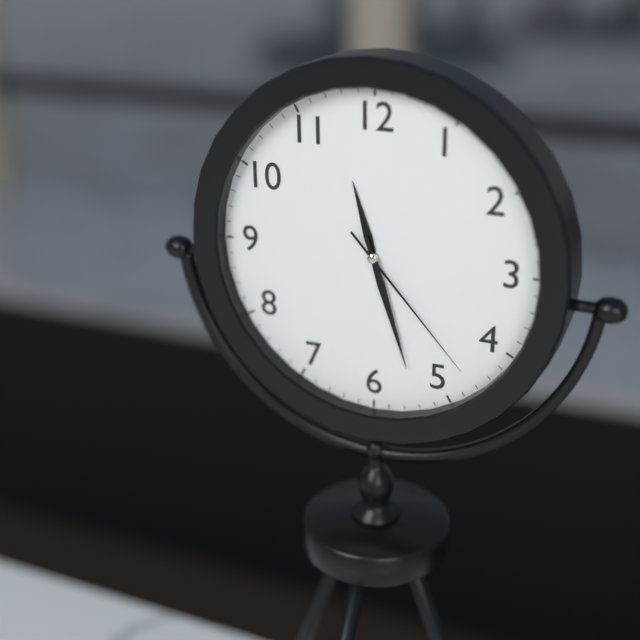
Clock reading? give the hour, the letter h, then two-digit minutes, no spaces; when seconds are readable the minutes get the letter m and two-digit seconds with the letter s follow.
11h27m23s
